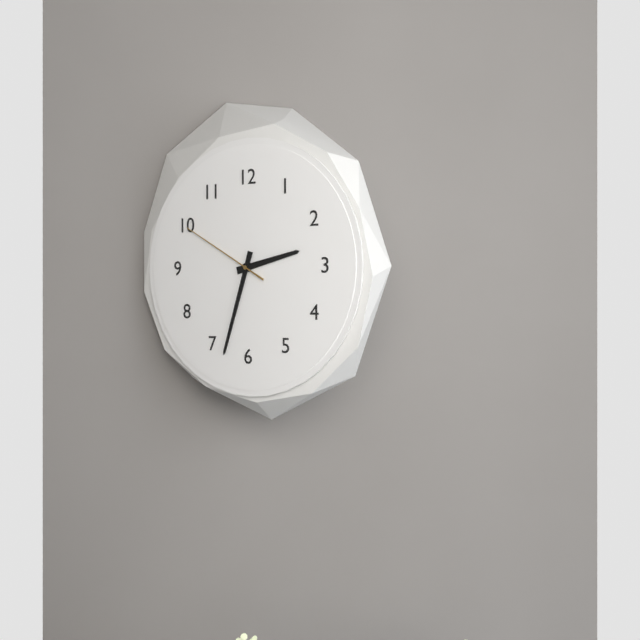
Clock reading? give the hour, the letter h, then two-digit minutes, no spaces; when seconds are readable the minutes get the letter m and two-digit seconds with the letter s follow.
2h33m50s
